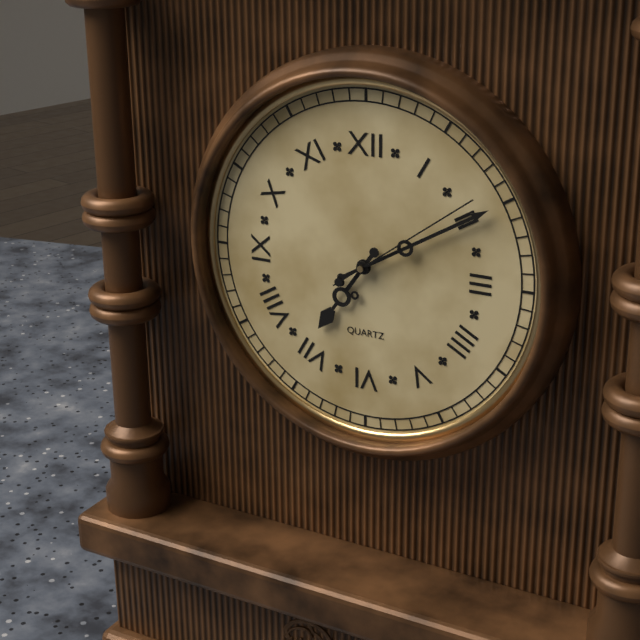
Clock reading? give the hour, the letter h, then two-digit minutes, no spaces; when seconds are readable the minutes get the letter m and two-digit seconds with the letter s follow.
7h10m09s
